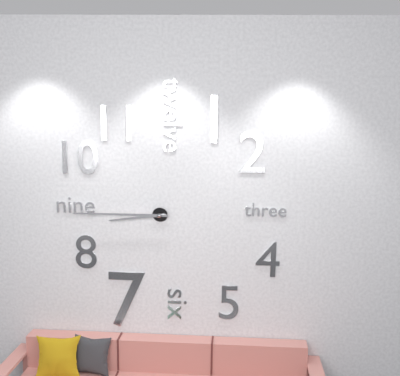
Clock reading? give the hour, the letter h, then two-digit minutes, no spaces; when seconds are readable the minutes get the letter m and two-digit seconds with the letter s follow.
8h45
